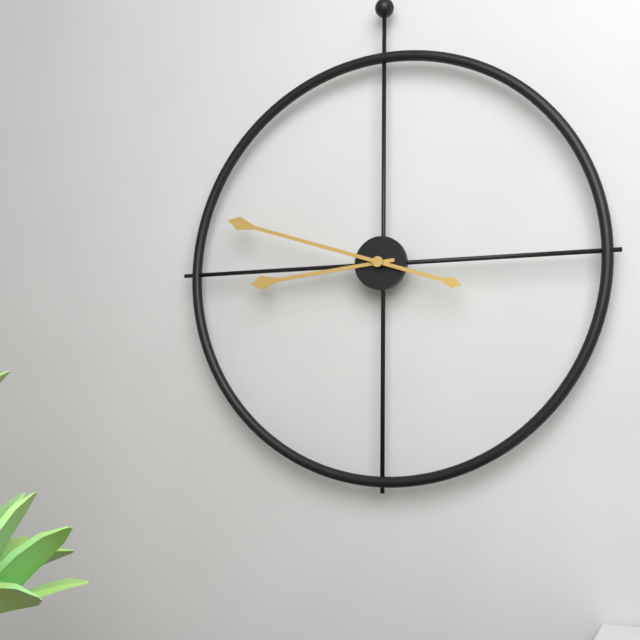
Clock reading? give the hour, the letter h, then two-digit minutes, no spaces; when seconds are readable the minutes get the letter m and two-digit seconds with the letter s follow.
8h48
